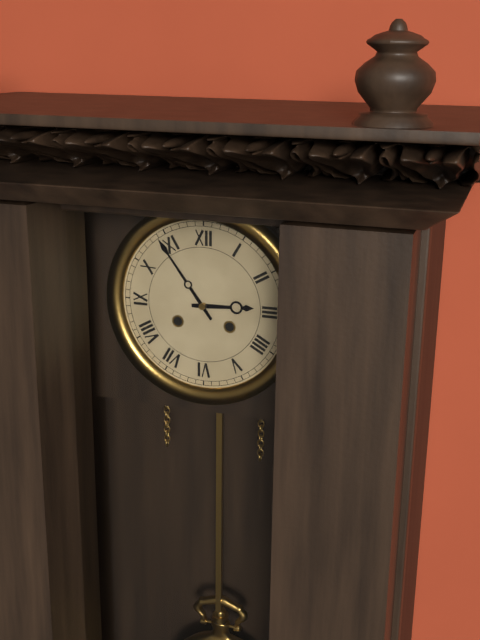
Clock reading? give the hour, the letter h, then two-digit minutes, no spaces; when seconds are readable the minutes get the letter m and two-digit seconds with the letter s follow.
2h54
